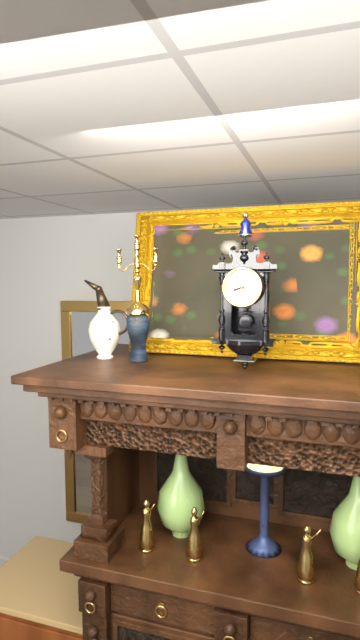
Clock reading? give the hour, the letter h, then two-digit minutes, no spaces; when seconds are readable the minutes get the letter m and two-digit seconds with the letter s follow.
8h22
